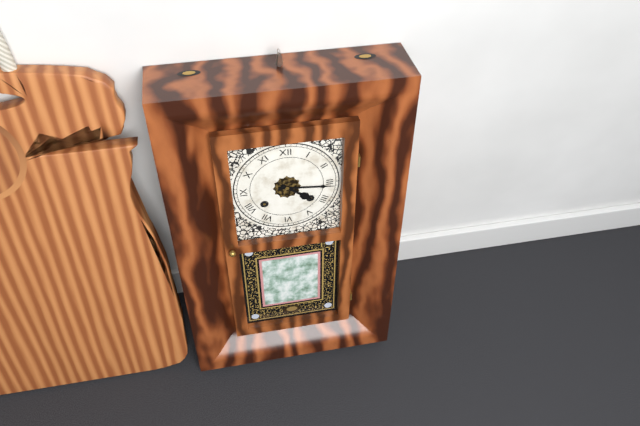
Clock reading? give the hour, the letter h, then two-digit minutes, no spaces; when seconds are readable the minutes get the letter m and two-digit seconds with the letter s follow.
4h16
